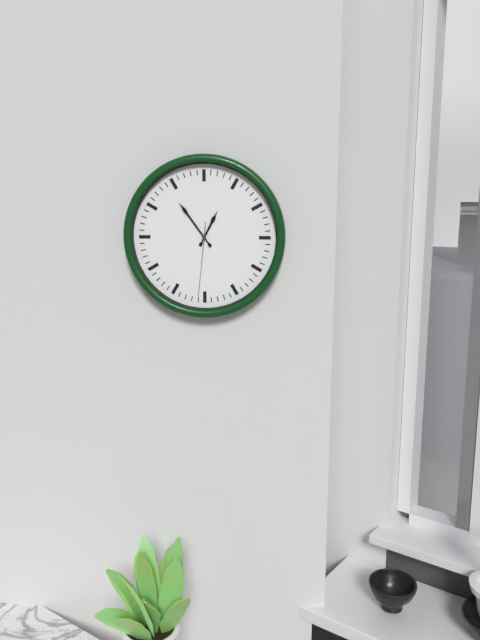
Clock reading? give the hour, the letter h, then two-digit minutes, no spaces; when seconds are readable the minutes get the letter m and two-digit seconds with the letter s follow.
12h54m31s
